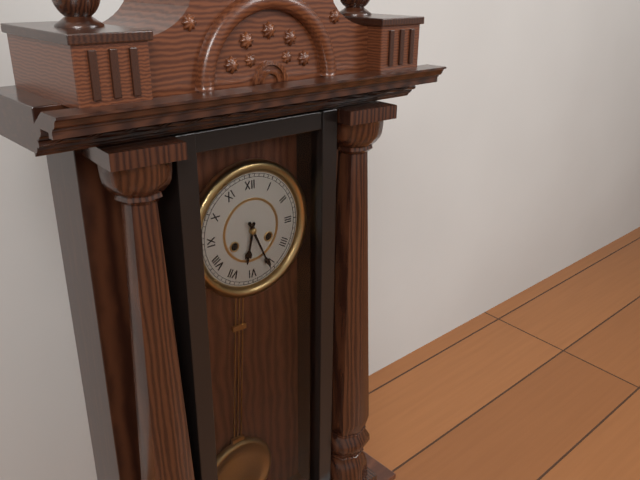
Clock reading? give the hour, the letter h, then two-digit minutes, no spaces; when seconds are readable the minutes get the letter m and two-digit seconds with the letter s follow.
6h26
